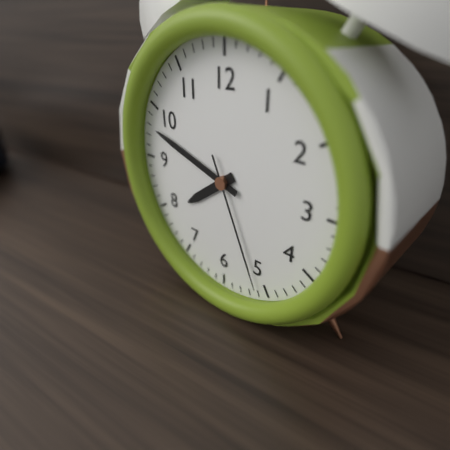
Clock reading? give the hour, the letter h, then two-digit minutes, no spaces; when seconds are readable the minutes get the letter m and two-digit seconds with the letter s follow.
7h48m26s
